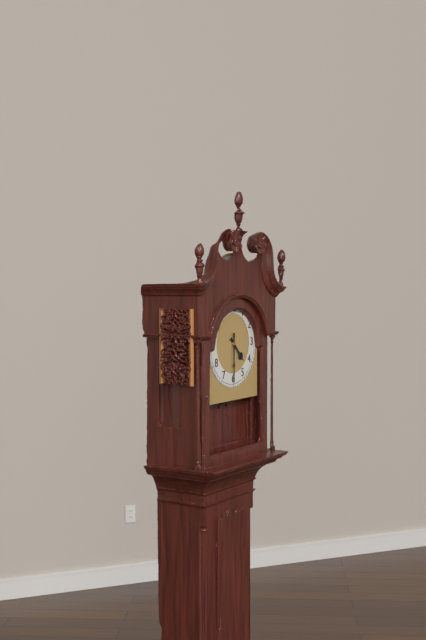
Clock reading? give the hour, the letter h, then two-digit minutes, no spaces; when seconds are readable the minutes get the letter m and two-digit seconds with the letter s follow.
4h30
